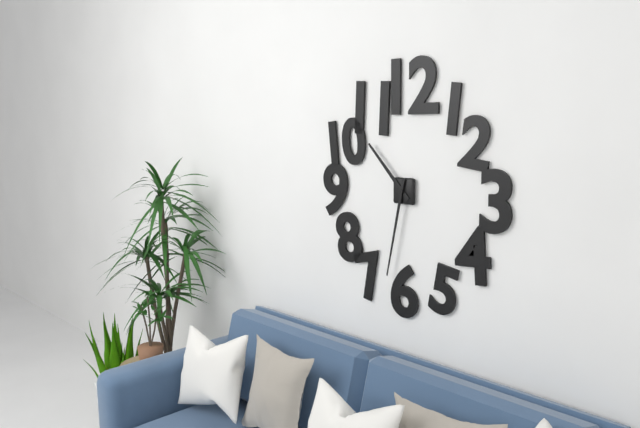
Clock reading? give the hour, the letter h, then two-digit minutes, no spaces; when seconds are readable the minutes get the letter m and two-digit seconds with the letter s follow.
10h32
